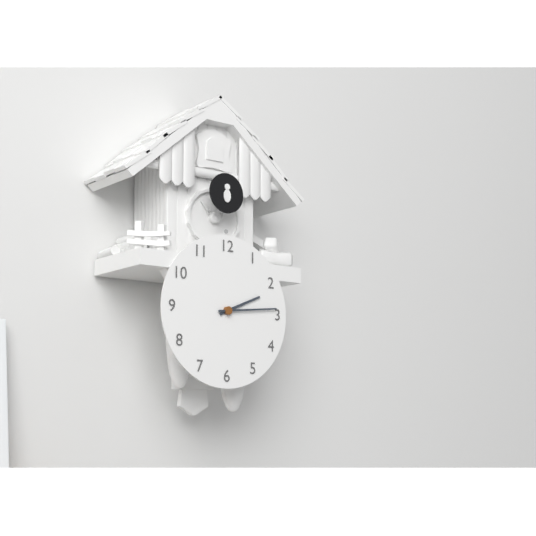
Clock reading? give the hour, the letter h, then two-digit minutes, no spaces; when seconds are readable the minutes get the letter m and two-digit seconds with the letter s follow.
2h14
